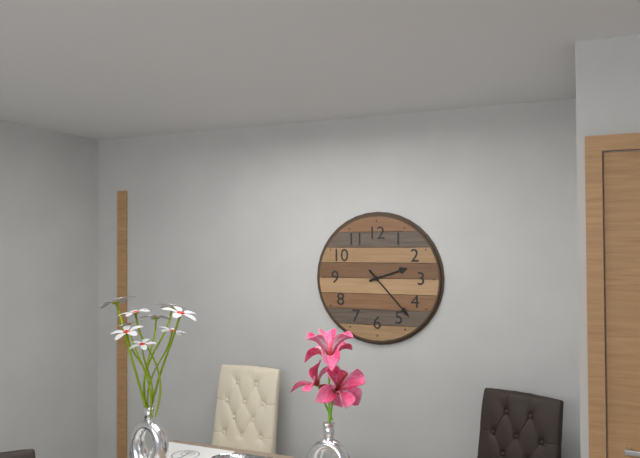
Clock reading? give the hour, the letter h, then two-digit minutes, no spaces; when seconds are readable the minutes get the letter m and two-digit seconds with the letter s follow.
2h23
